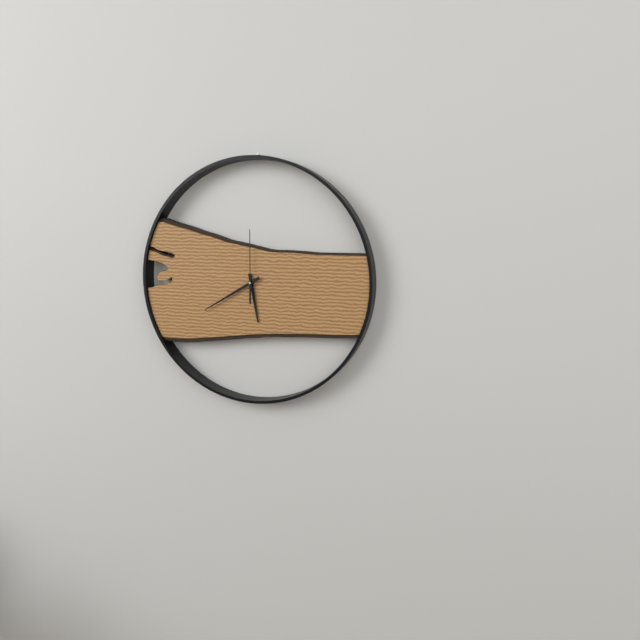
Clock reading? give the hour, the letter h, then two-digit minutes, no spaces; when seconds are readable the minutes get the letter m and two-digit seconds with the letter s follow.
5h40m00s
